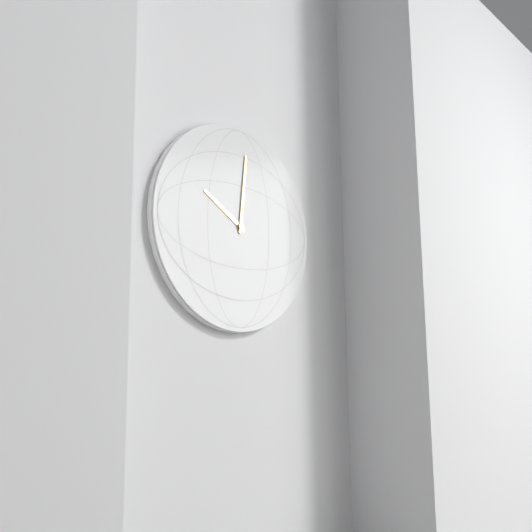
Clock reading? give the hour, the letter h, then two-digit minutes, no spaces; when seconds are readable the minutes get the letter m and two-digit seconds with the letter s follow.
10h01
